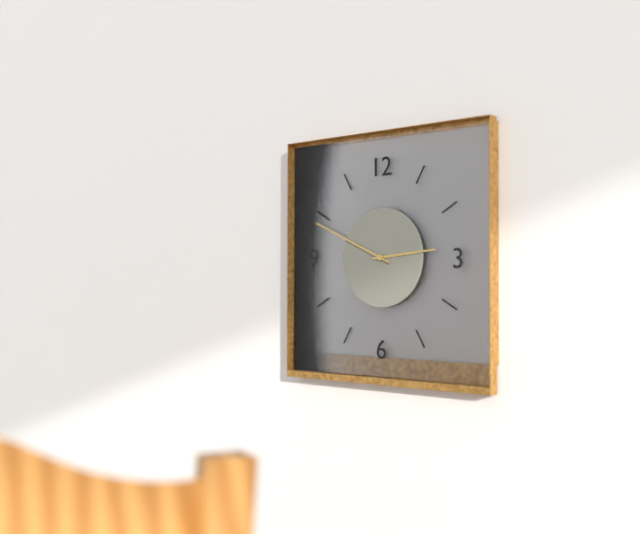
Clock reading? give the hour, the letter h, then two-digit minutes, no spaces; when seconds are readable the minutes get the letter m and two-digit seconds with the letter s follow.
2h49
